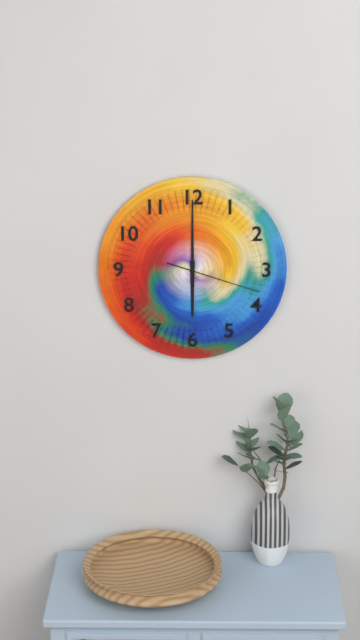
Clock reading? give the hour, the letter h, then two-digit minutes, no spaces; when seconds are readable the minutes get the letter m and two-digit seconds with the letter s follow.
6h00m18s
